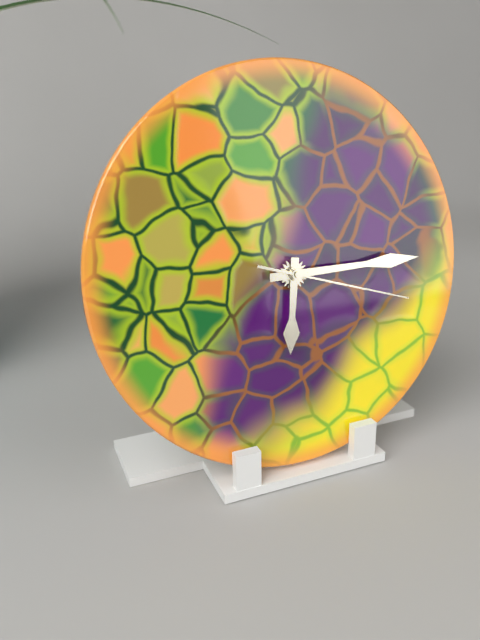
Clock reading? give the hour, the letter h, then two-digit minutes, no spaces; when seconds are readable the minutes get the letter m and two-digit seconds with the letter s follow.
6h15m18s
